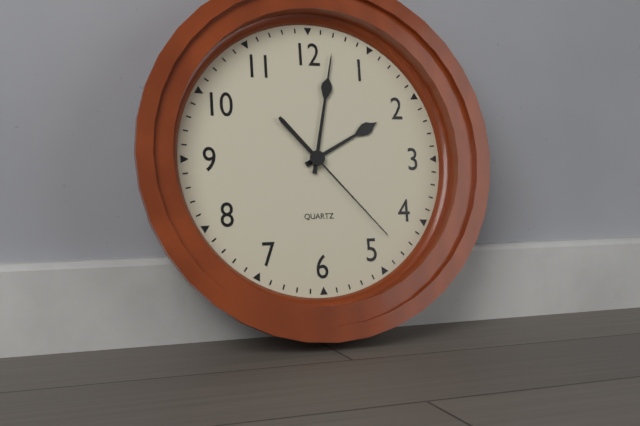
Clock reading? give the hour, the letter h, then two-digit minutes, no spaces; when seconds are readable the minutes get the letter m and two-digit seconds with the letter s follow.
2h02m23s
